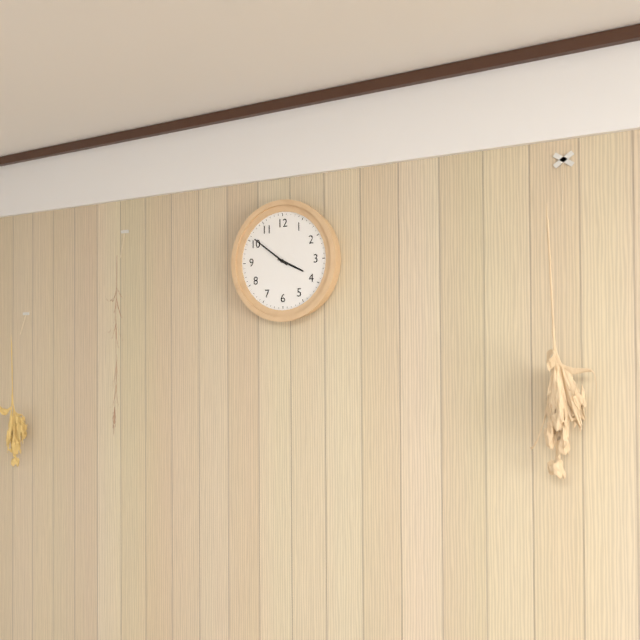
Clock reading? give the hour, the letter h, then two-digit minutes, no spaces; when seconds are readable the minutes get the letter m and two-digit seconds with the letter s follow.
3h51
